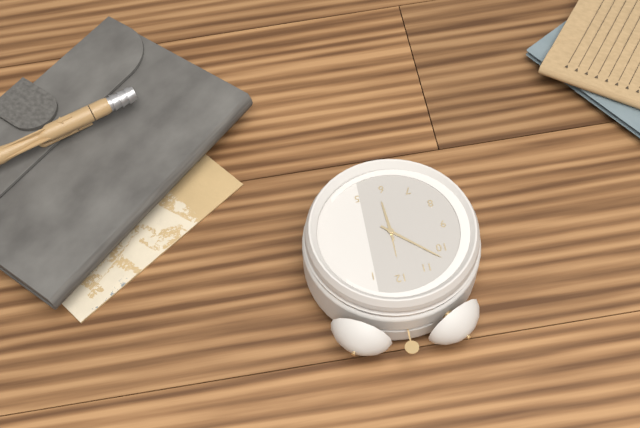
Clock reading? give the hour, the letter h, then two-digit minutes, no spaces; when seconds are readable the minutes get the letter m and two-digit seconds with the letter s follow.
5h52
